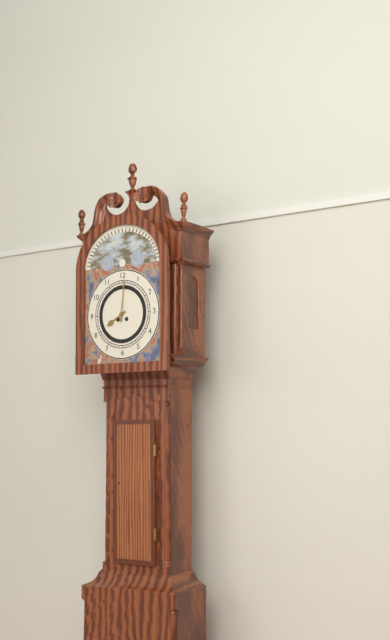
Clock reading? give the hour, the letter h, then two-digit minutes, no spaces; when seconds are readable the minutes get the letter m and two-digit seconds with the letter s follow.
8h01
